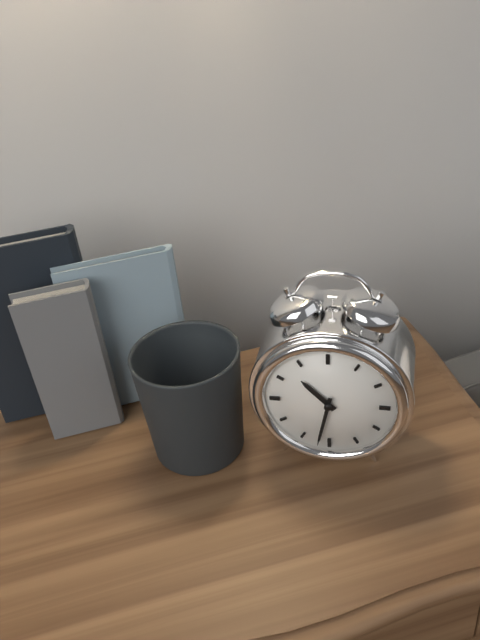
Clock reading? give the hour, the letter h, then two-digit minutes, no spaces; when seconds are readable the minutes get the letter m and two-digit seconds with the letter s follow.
10h32
